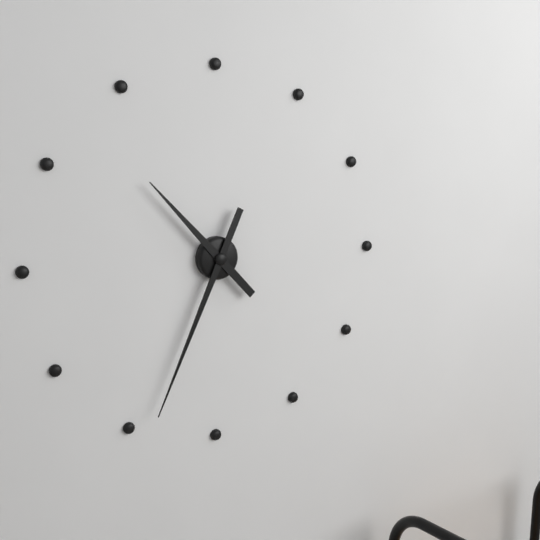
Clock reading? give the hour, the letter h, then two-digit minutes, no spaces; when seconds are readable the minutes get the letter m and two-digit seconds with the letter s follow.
10h34
